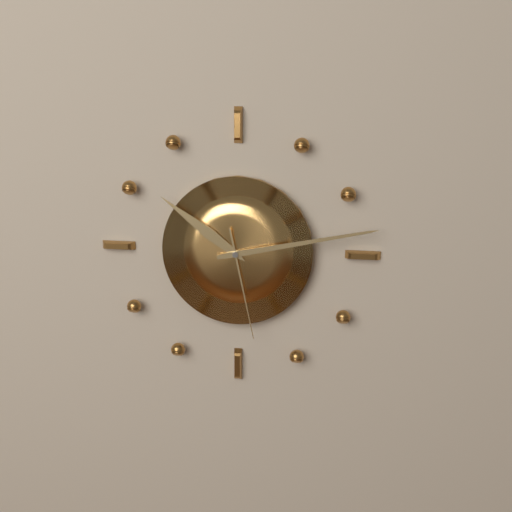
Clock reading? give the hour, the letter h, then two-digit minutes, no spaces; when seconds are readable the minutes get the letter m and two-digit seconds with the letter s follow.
10h13m28s
